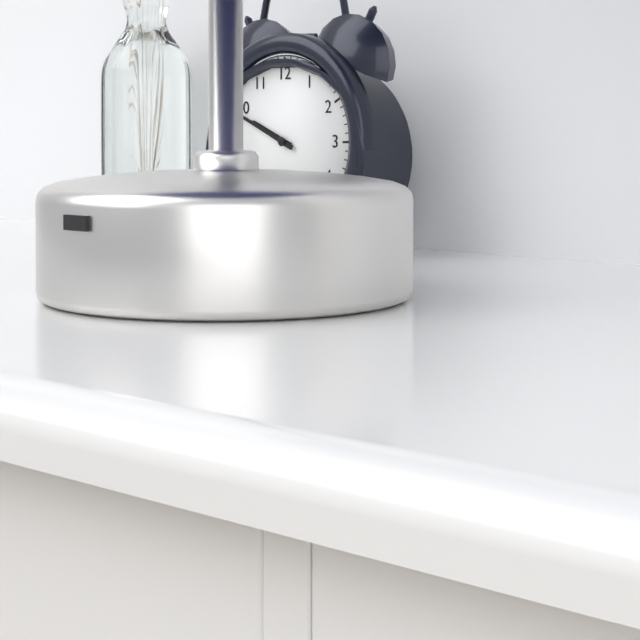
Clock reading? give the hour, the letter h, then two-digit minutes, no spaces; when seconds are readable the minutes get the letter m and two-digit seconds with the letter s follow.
9h49
